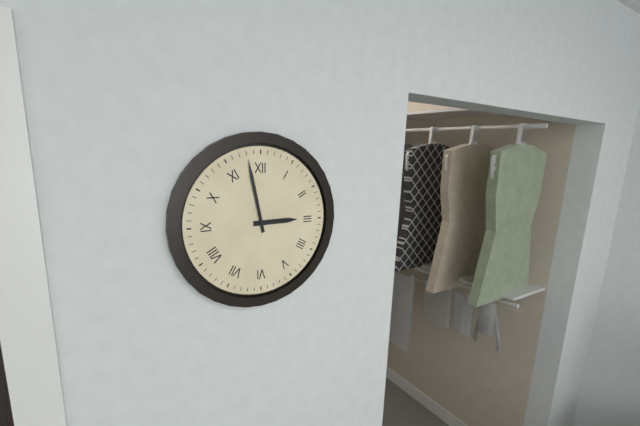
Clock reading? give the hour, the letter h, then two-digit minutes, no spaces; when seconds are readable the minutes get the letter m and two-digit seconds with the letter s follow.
2h58
